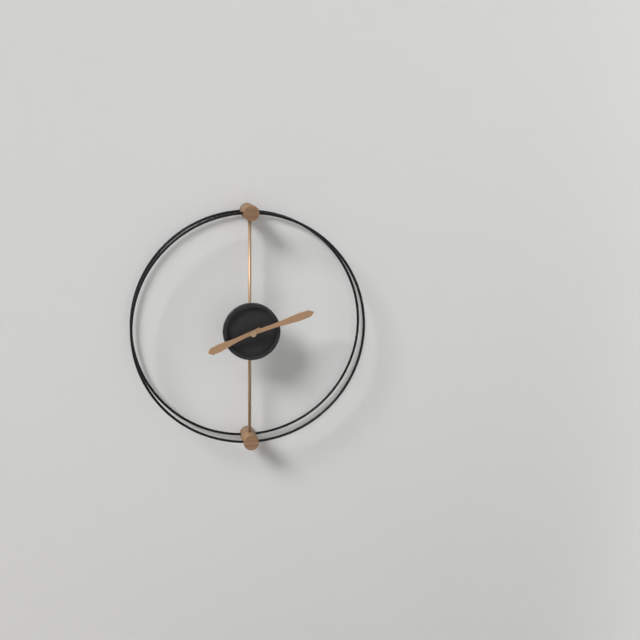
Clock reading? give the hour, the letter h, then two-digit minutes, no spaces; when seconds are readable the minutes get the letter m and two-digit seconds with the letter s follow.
8h12
